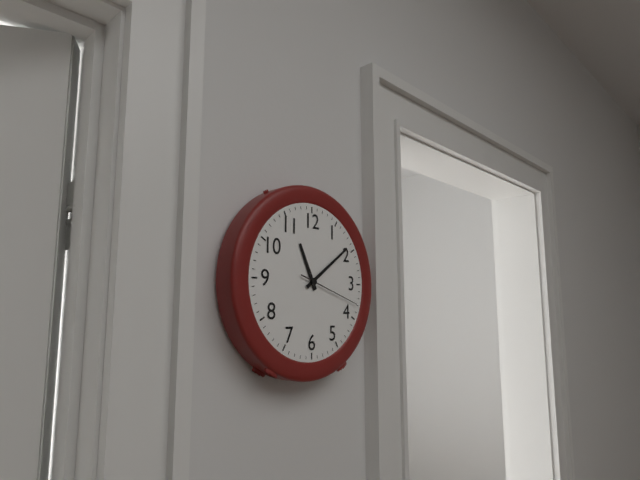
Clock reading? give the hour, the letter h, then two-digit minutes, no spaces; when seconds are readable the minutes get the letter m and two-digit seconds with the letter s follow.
11h09m18s
